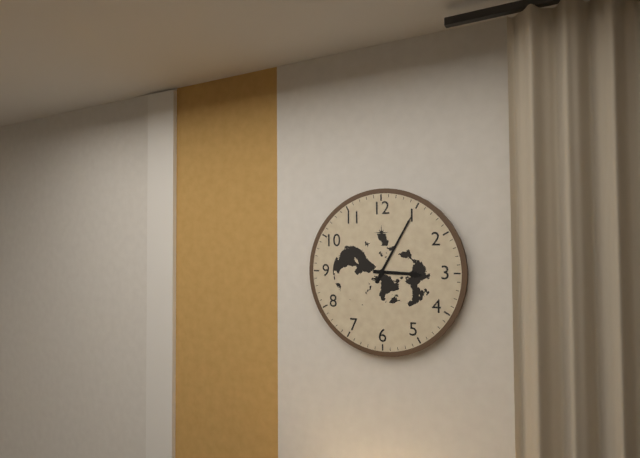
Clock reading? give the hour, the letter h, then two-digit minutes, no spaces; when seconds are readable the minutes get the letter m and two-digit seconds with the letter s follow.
3h05
